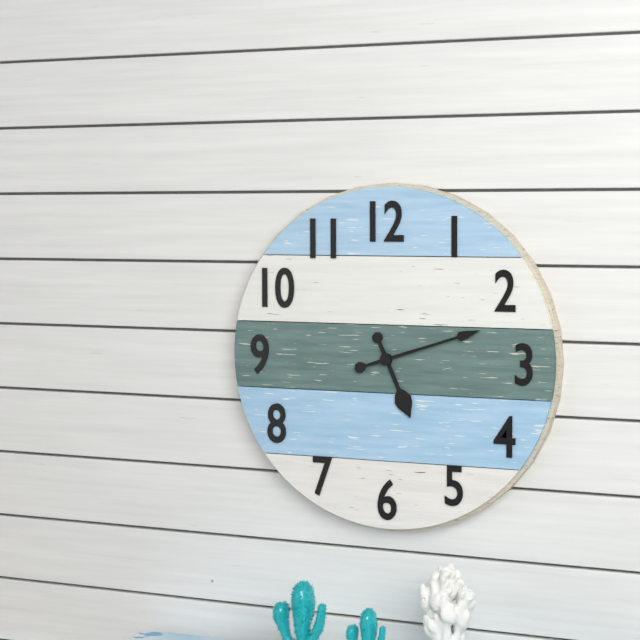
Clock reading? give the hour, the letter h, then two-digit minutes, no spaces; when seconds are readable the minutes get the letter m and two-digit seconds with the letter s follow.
5h12
